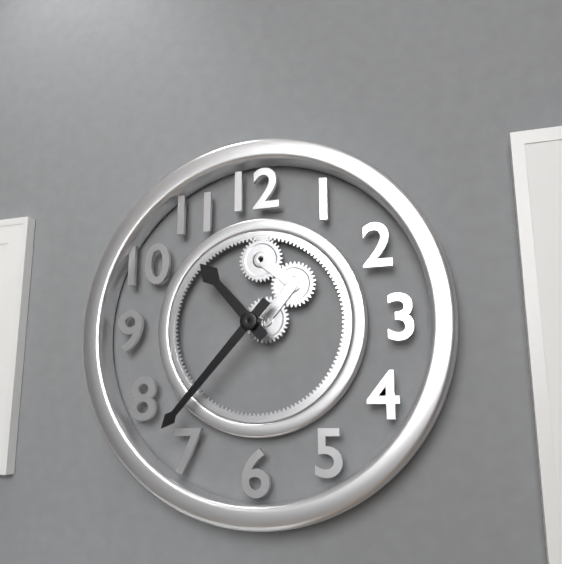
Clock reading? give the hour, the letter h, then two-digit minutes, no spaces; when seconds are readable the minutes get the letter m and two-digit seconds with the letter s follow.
10h37
